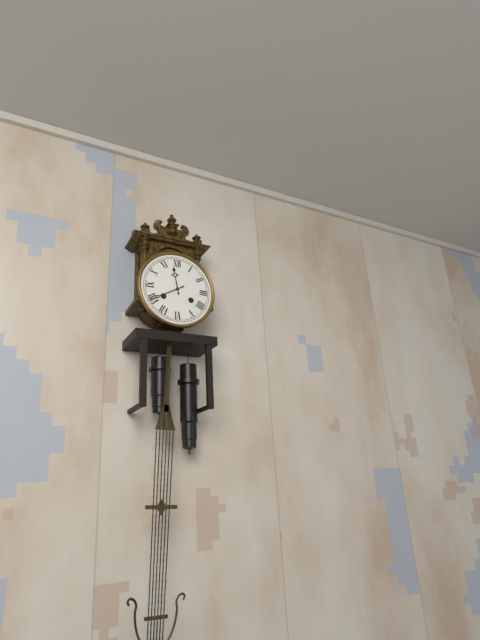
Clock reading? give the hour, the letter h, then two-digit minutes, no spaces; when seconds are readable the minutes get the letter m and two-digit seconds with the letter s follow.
11h40
